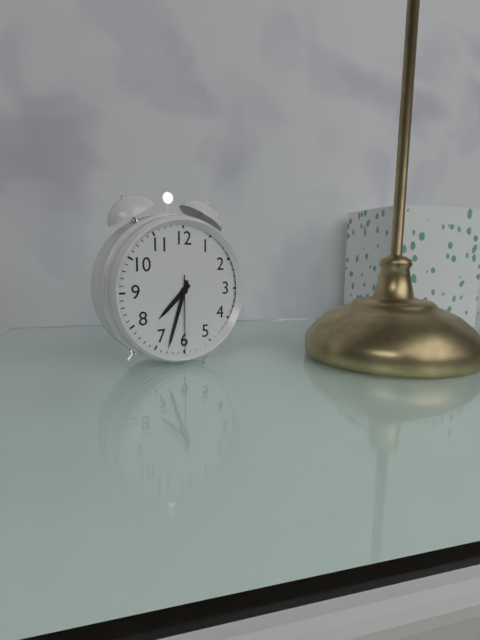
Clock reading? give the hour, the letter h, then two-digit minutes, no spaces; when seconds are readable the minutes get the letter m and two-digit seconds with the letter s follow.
7h33m30s
